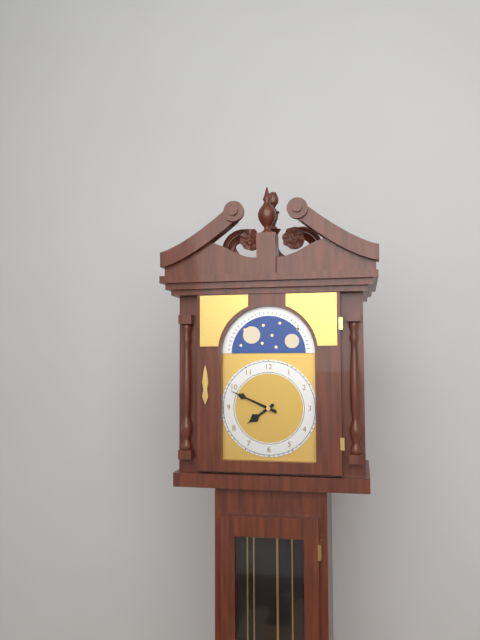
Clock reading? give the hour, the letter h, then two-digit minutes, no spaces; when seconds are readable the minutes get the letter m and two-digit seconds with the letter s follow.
7h49
